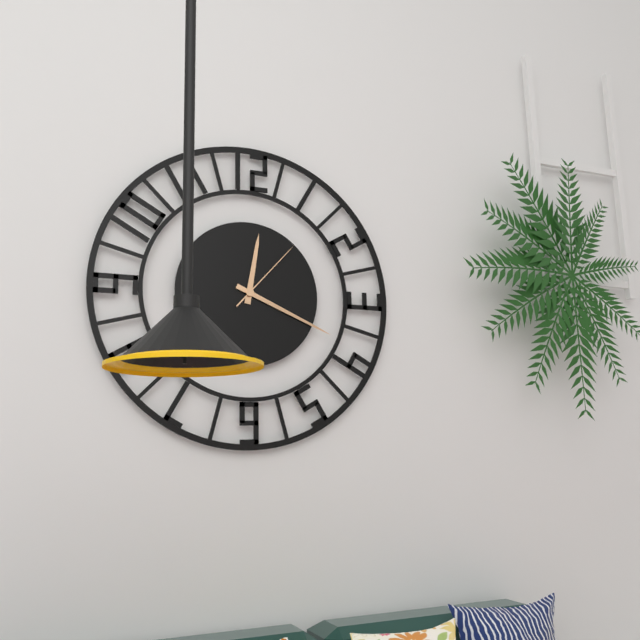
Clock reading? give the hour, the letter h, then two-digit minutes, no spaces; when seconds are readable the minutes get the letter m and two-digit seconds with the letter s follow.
12h19m07s
